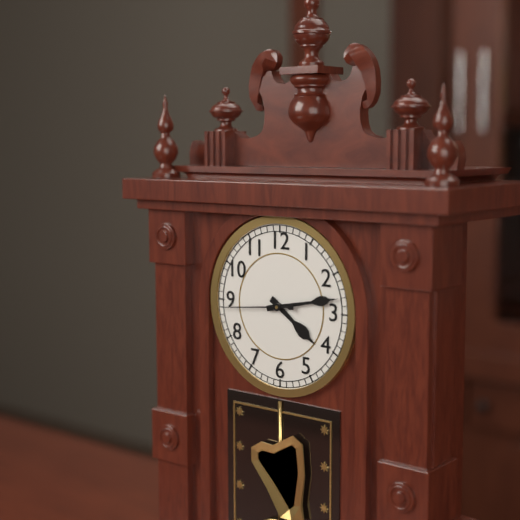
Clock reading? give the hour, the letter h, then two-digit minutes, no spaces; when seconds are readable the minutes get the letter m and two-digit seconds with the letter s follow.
4h13m44s
